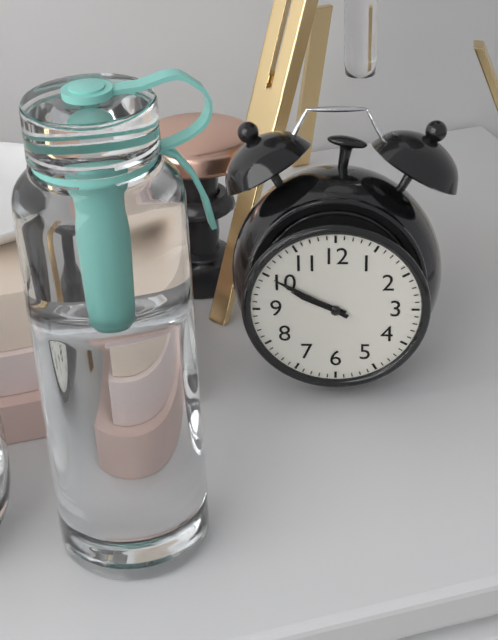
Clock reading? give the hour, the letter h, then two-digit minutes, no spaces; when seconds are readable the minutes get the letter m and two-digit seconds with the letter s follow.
9h50
